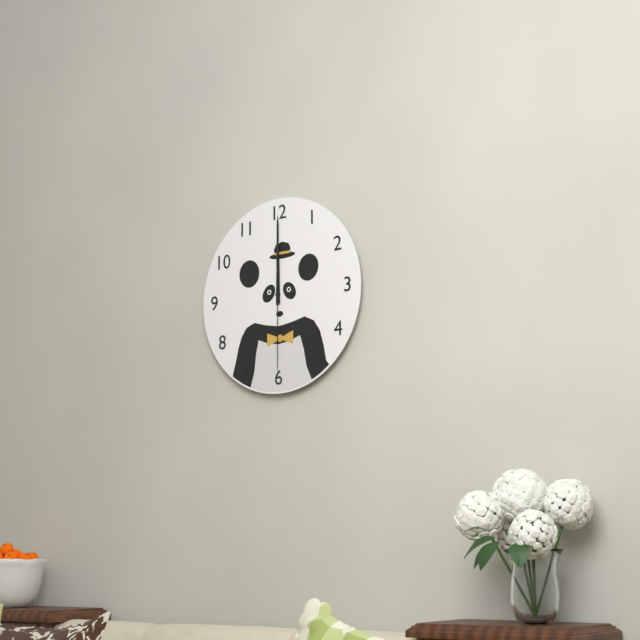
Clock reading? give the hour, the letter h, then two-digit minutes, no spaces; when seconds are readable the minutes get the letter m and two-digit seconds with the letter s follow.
12h00m30s
